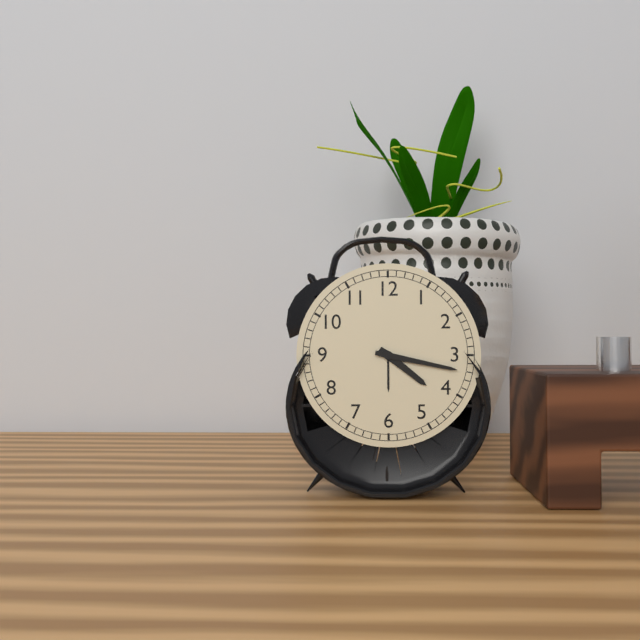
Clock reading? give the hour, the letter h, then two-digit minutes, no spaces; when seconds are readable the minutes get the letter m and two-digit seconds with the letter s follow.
4h17
